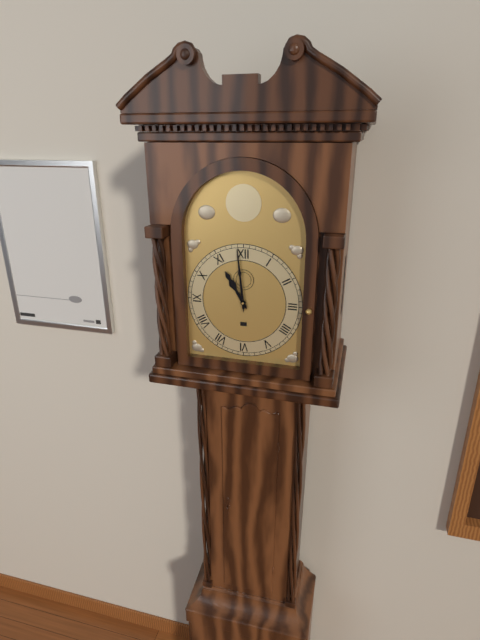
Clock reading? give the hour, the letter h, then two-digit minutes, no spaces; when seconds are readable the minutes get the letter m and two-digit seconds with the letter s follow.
10h59
